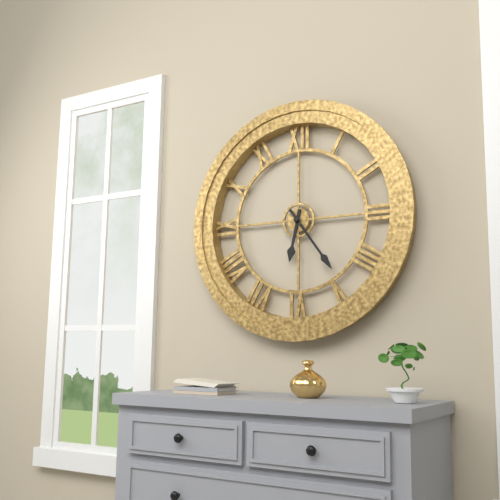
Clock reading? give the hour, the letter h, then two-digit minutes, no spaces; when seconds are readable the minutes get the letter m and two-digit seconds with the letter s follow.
6h24
